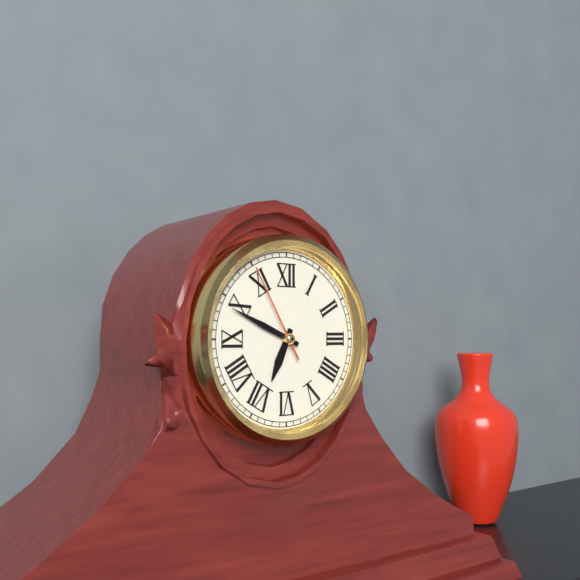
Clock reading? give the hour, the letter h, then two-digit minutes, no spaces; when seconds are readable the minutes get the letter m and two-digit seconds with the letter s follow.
6h49m55s
